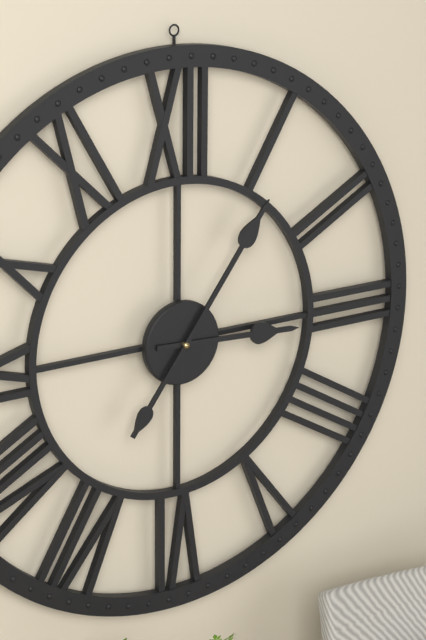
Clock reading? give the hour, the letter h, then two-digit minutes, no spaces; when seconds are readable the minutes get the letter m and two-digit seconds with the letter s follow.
3h06
